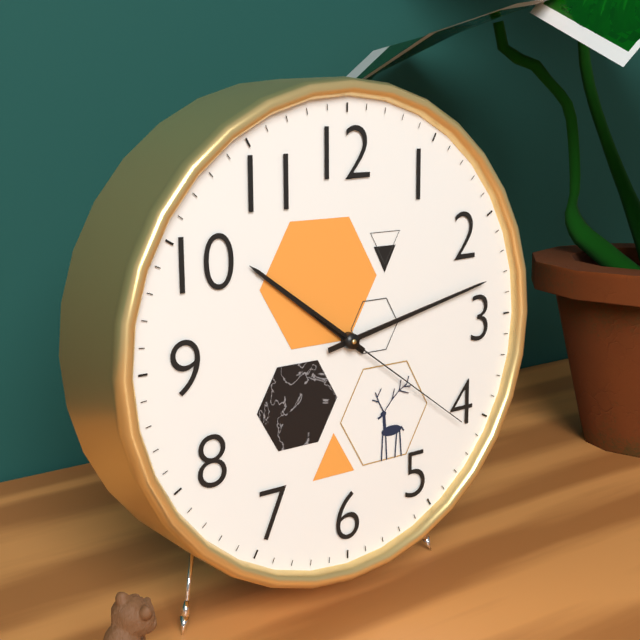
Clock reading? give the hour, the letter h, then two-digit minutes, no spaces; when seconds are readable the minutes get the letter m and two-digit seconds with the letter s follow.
10h13m21s
